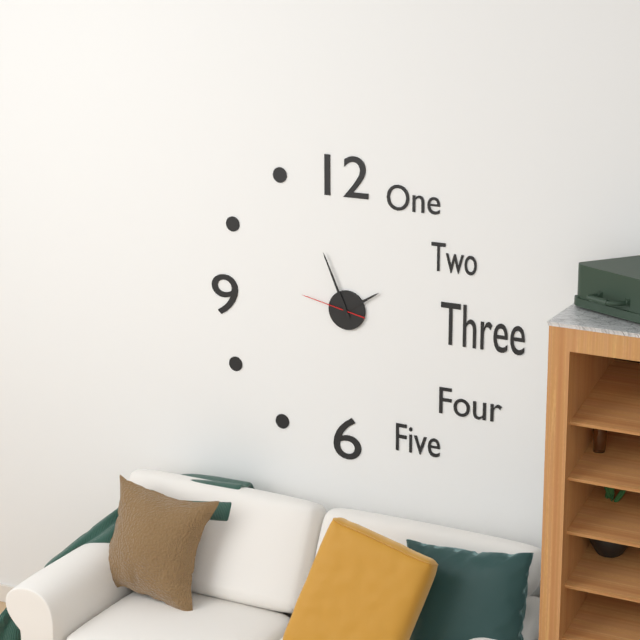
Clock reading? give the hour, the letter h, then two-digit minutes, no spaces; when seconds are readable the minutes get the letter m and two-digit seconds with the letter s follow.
1h56m47s
